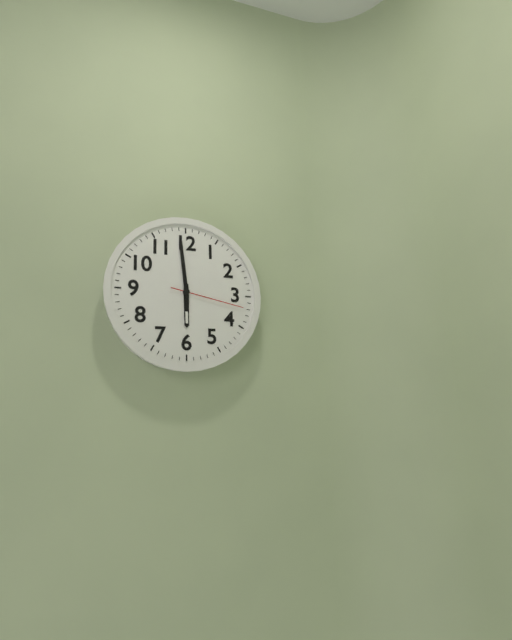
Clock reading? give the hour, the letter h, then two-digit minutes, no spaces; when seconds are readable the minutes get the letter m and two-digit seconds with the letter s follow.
5h59m17s
